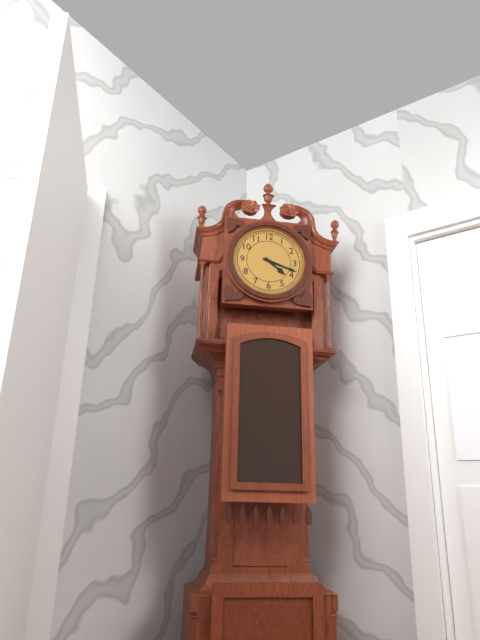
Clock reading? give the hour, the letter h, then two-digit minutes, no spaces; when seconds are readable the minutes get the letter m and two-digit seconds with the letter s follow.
4h18
